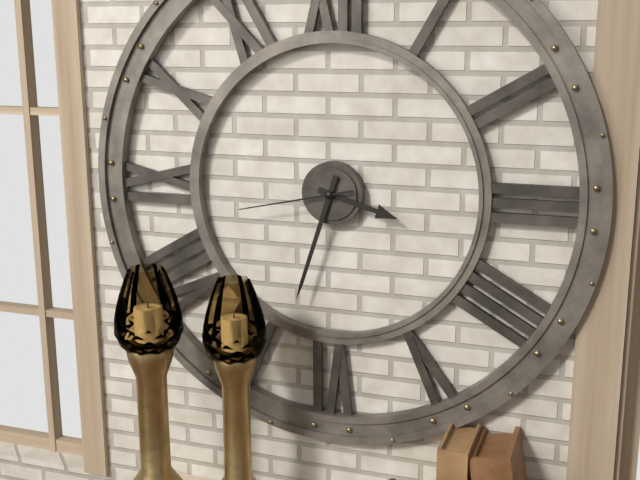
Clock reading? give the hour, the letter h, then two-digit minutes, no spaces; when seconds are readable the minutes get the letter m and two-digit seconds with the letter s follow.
3h33m43s
